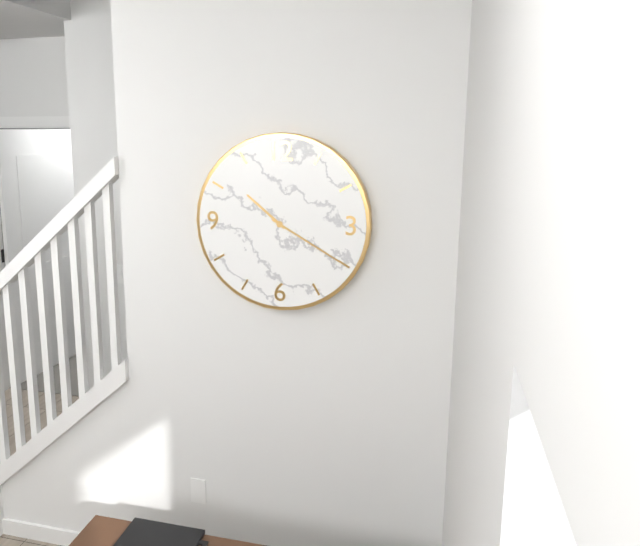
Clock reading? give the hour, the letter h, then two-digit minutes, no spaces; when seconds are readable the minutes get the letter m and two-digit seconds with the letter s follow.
10h20
